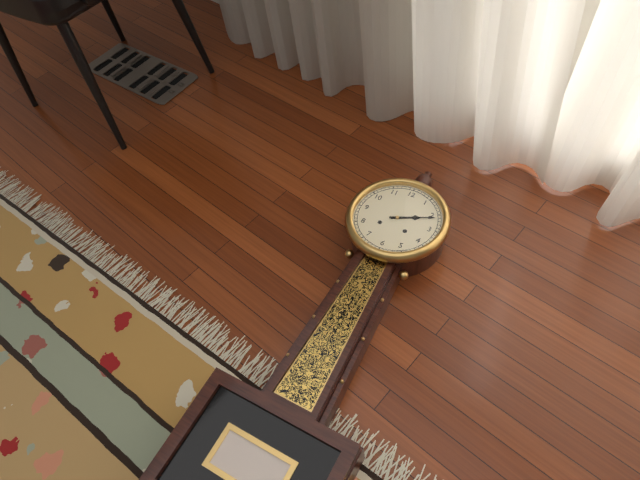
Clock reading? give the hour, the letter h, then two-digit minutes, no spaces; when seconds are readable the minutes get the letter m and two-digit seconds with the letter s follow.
2h11
